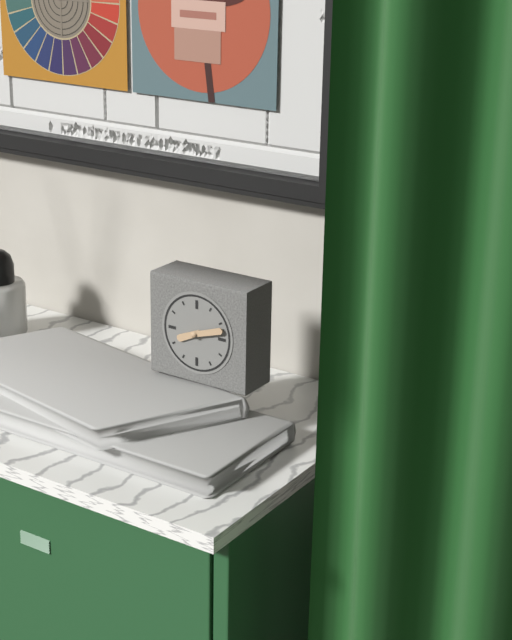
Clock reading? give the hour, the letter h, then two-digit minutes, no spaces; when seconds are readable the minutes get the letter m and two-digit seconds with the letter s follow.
8h12
